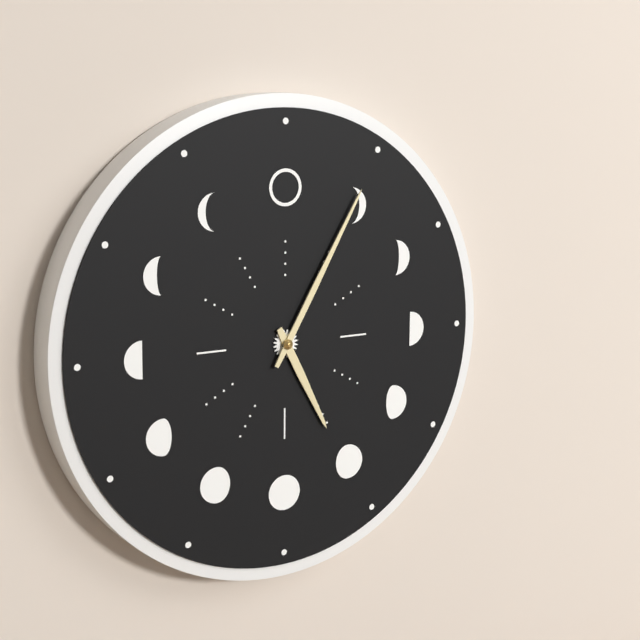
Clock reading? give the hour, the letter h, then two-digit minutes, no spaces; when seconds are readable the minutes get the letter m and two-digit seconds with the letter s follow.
5h05
